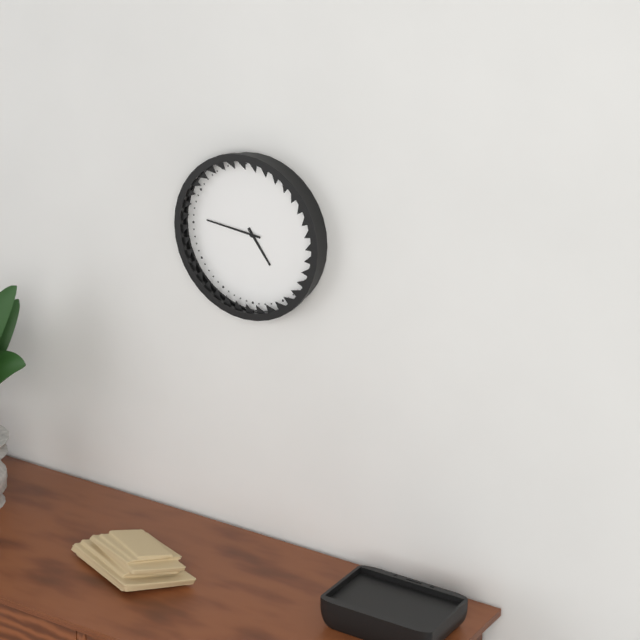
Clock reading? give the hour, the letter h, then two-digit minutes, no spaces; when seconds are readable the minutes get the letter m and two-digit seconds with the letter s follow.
4h46
